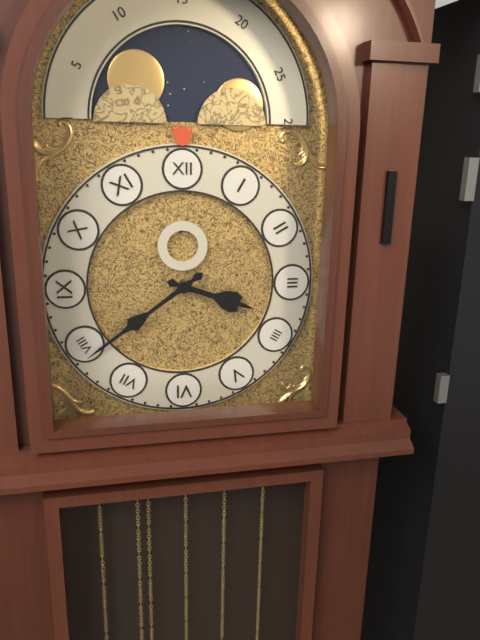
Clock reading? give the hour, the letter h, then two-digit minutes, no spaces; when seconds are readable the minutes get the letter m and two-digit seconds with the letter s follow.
3h39
